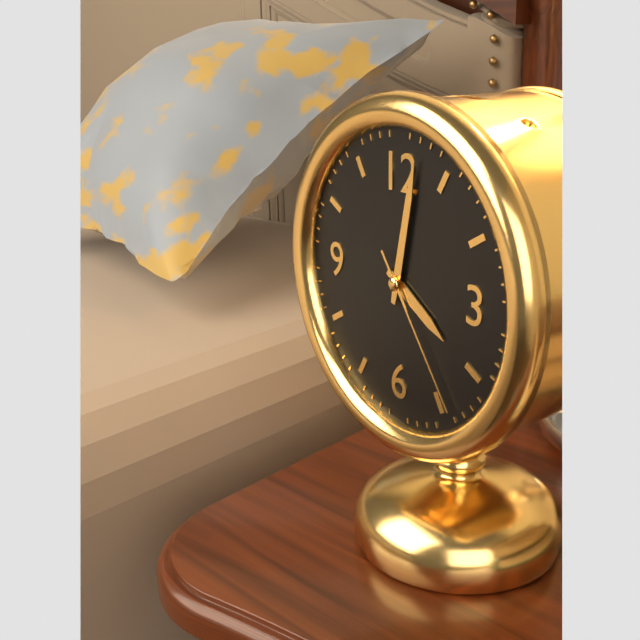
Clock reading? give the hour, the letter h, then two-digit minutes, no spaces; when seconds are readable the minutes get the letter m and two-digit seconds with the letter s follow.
4h02m24s
